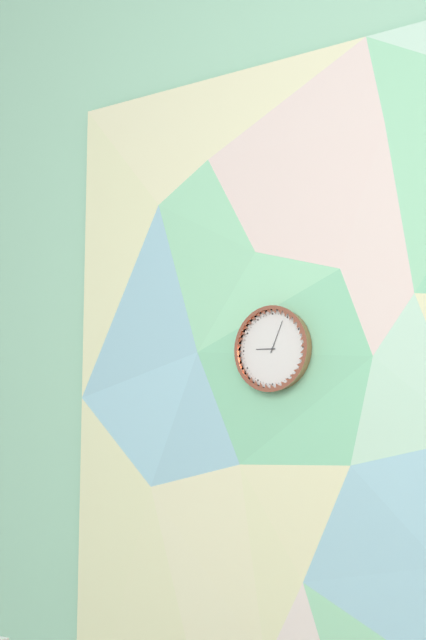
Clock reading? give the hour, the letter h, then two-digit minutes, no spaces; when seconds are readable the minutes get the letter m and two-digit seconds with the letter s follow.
9h04
